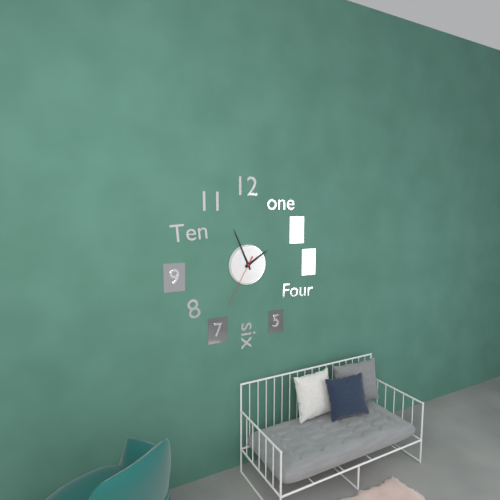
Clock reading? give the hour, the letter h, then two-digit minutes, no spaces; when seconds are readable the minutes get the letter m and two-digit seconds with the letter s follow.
1h56m35s
